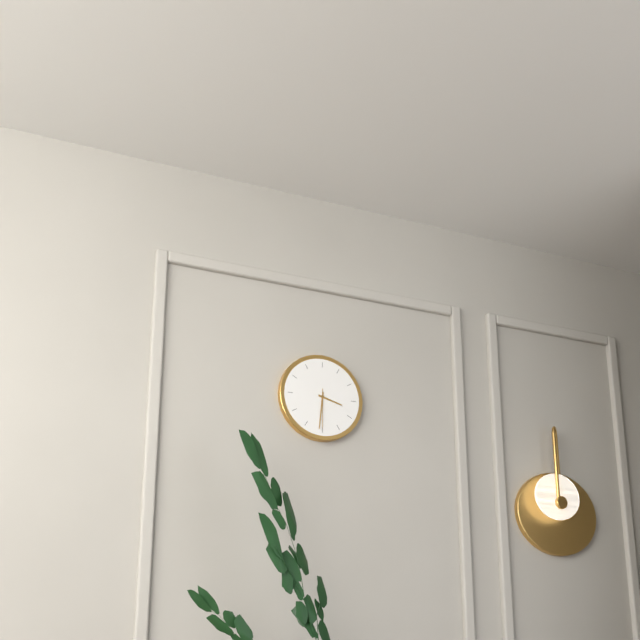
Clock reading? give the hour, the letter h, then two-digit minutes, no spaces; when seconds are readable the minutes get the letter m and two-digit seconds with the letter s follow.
3h31
